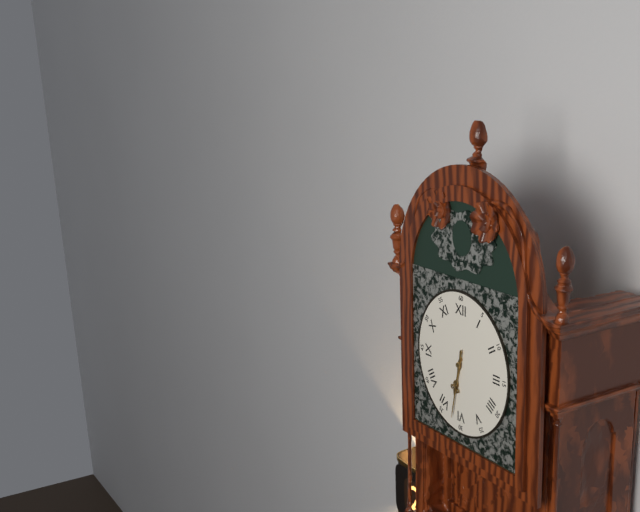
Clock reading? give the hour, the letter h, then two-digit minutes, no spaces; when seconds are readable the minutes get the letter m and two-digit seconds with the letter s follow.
6h32
